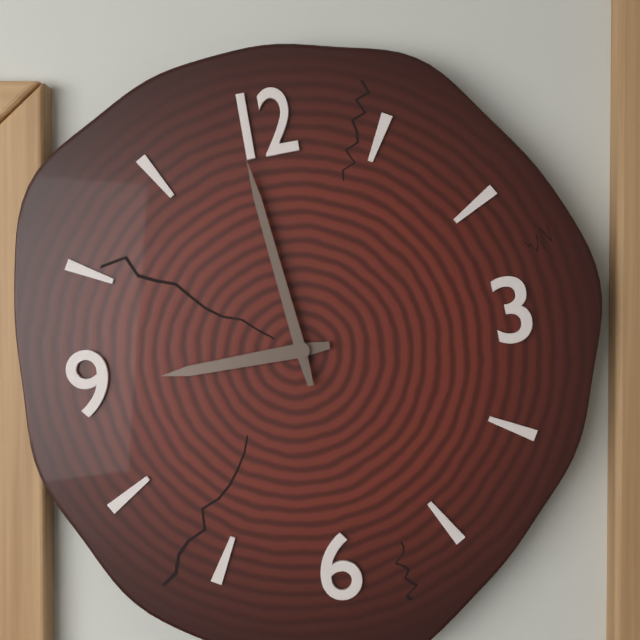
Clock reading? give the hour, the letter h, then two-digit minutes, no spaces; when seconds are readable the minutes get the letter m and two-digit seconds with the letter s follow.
8h59
